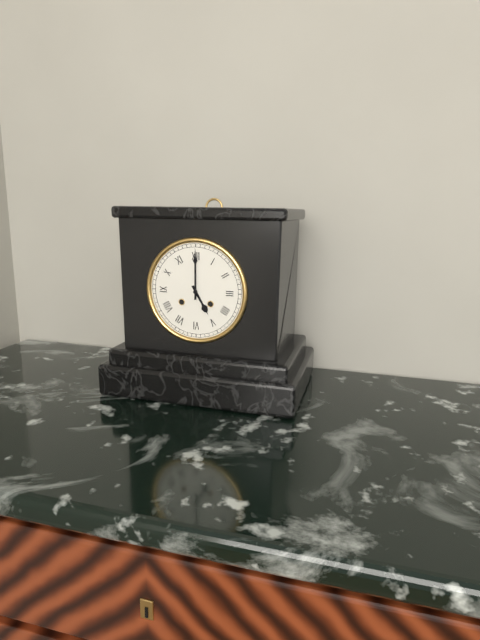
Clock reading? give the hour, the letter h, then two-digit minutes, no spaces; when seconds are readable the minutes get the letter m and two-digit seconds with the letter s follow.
5h00
